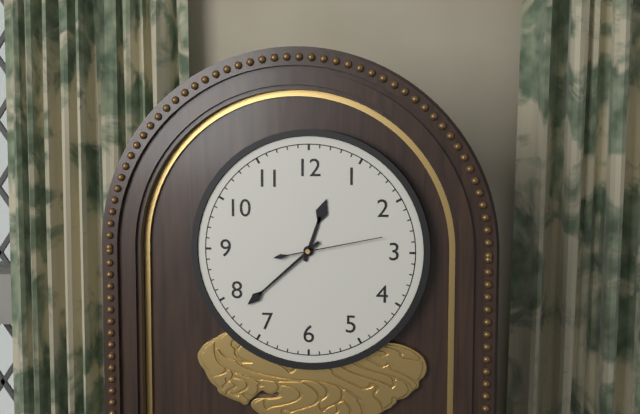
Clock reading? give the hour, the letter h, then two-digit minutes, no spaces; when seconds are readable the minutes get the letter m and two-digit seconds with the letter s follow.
12h38m13s
